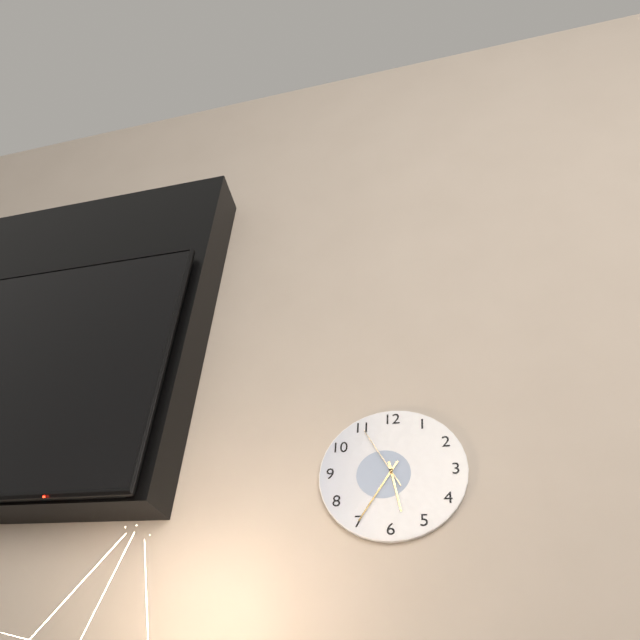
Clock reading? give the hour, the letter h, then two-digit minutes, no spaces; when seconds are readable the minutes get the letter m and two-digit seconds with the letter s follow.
5h35m55s
